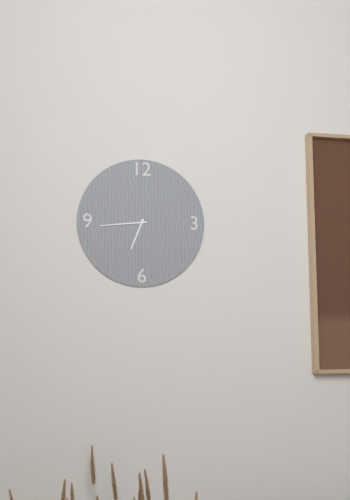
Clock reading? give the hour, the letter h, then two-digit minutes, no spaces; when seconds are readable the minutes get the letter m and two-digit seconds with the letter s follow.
6h44
